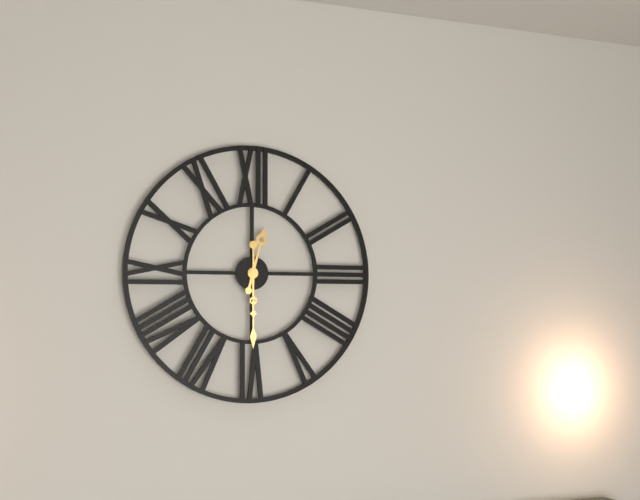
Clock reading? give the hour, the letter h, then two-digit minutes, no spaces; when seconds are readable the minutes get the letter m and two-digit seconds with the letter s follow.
12h30
